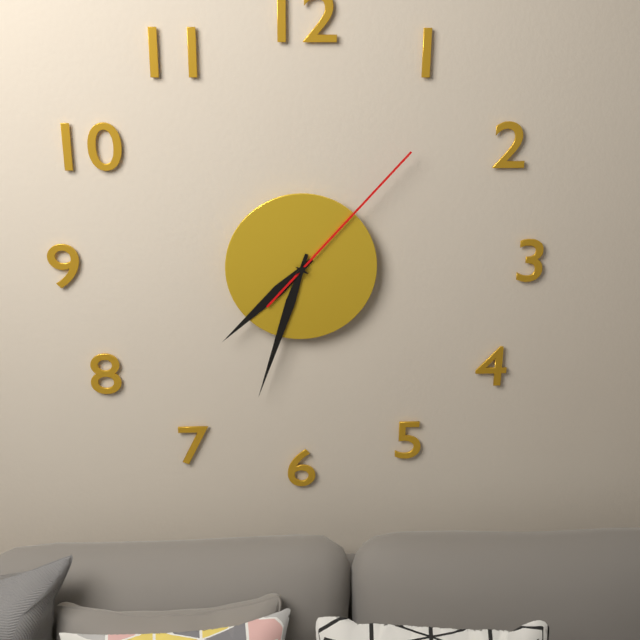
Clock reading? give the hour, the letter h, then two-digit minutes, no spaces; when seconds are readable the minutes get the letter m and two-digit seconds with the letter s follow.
7h33m07s
